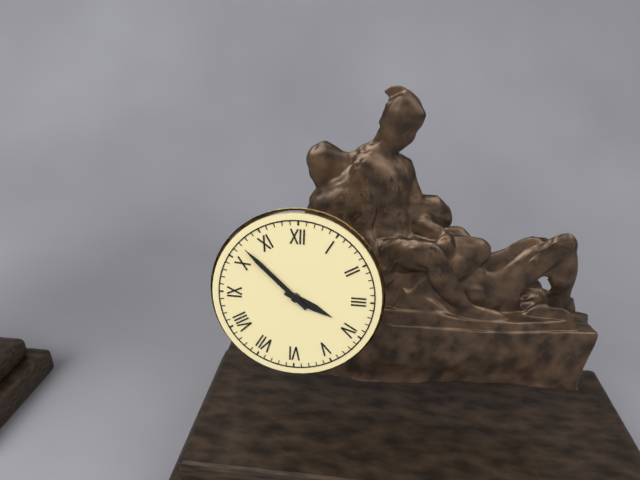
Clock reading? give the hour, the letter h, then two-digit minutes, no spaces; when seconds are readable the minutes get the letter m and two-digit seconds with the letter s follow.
3h52
